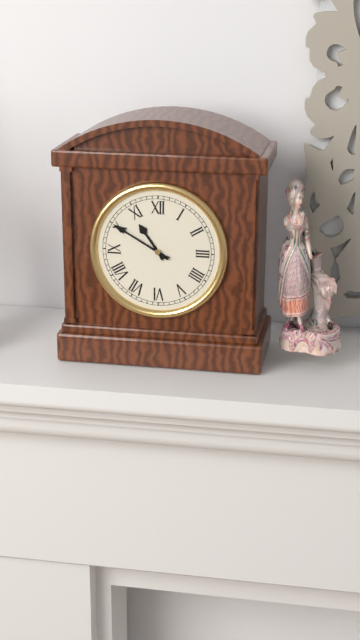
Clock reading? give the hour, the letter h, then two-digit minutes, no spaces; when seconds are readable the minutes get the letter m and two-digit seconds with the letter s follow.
10h50
